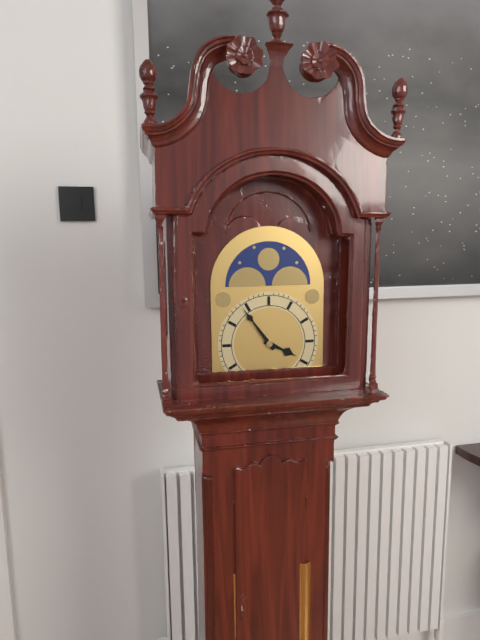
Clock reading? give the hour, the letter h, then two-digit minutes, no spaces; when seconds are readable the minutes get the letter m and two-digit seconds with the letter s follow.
3h54
